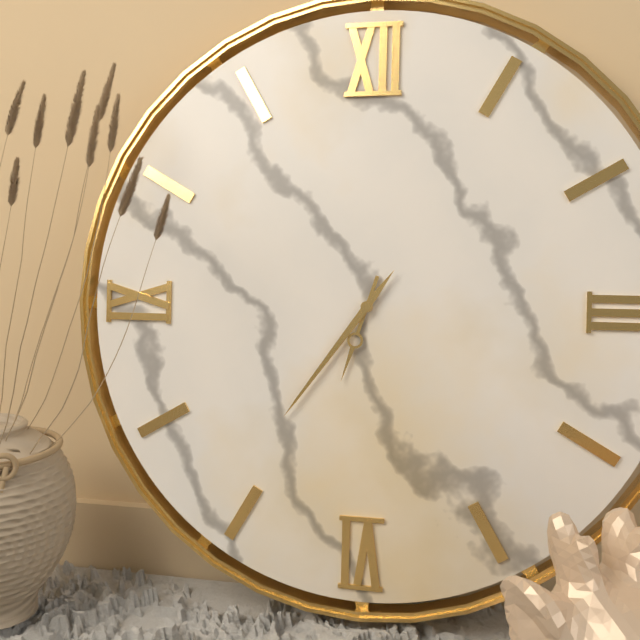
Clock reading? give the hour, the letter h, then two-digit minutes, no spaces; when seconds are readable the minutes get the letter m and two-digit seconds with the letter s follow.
6h36
